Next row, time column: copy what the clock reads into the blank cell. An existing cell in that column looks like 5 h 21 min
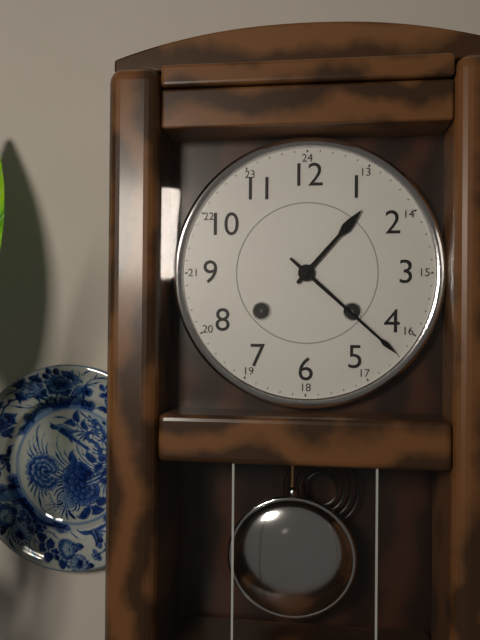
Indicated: 1 h 22 min
